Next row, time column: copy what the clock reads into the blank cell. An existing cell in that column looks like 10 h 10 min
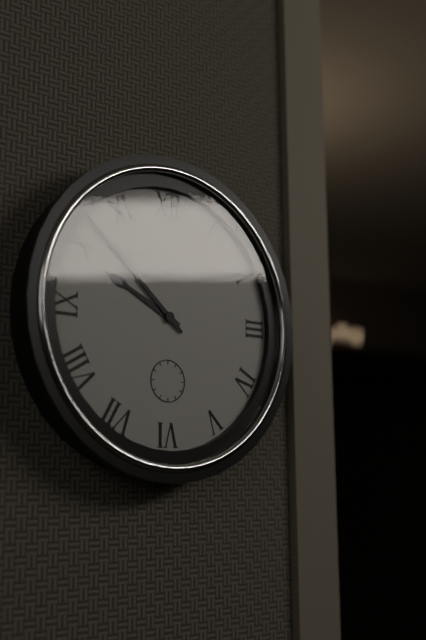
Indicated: 9 h 52 min
